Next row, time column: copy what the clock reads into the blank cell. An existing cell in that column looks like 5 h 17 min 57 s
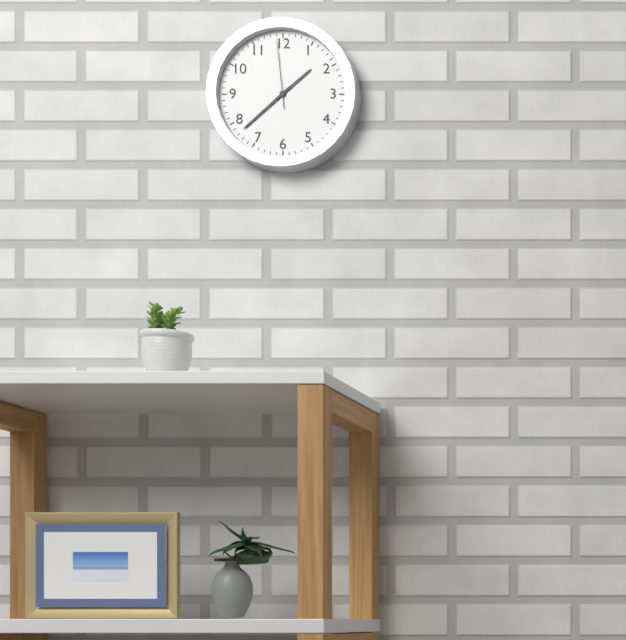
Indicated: 1 h 38 min 59 s
